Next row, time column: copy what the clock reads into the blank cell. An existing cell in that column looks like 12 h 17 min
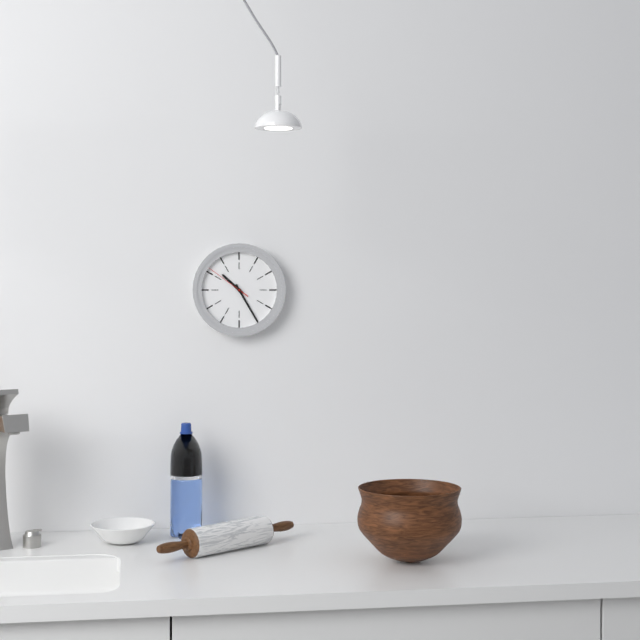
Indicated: 10 h 25 min
